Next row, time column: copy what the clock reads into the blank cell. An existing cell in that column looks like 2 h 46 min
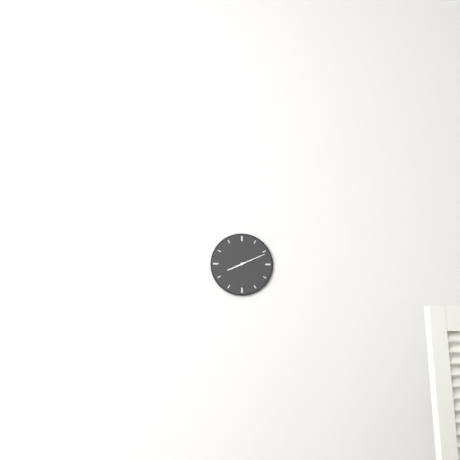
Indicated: 8 h 11 min
